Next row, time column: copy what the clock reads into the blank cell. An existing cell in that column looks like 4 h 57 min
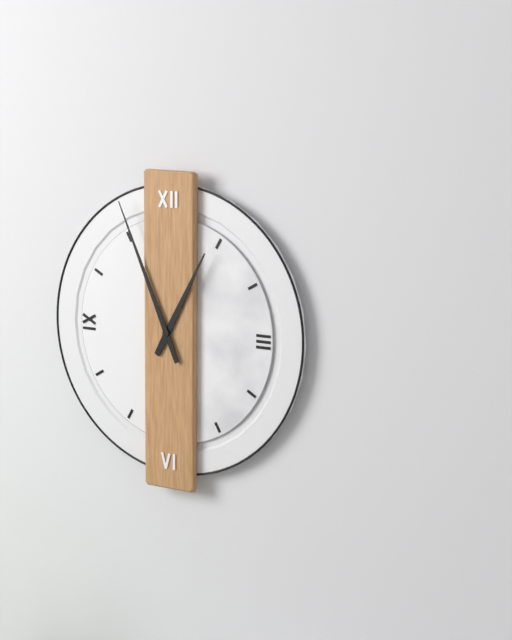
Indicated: 12 h 56 min
